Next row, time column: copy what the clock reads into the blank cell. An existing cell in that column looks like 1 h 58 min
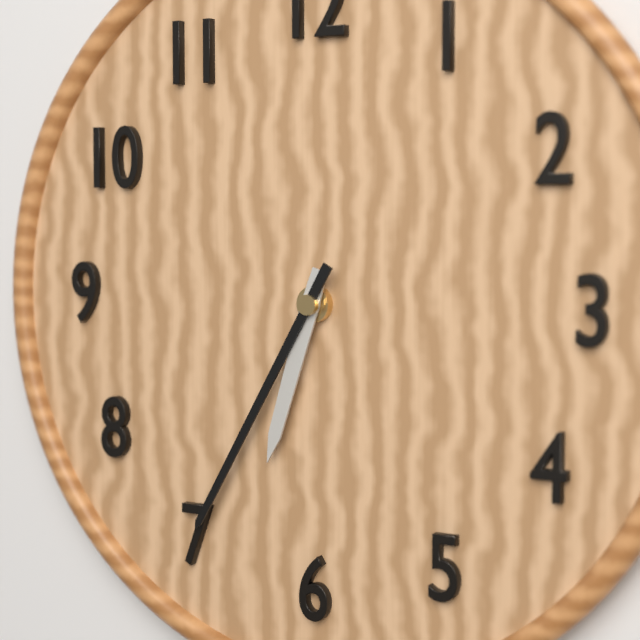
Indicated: 6 h 35 min
